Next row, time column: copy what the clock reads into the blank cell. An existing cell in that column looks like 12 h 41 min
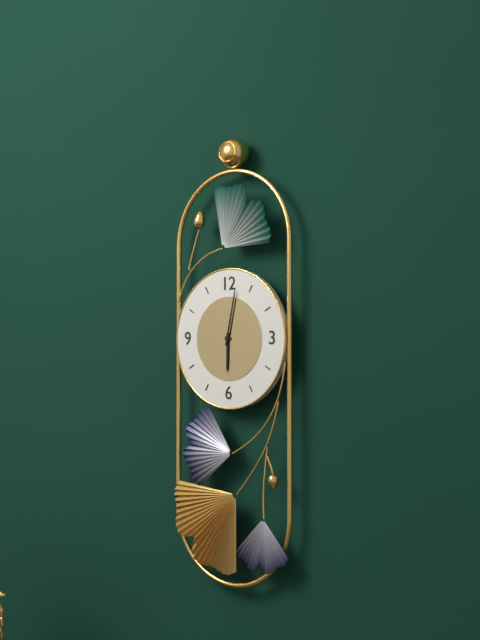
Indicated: 6 h 02 min
